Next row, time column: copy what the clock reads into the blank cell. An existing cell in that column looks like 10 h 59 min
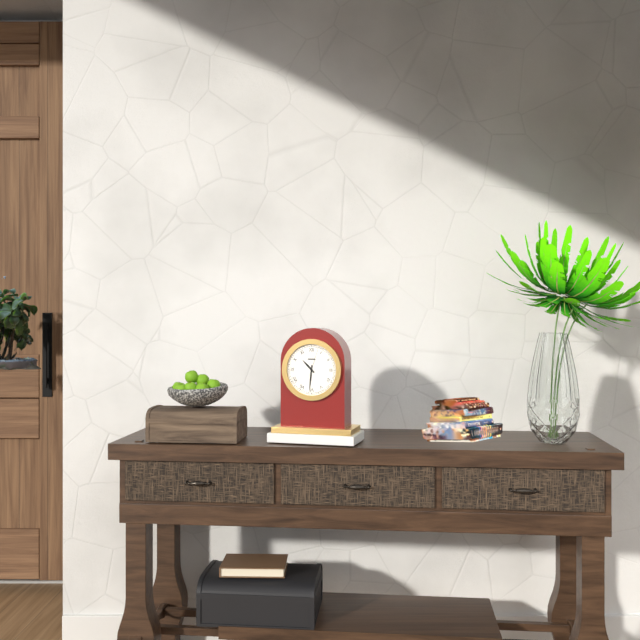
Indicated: 10 h 31 min
